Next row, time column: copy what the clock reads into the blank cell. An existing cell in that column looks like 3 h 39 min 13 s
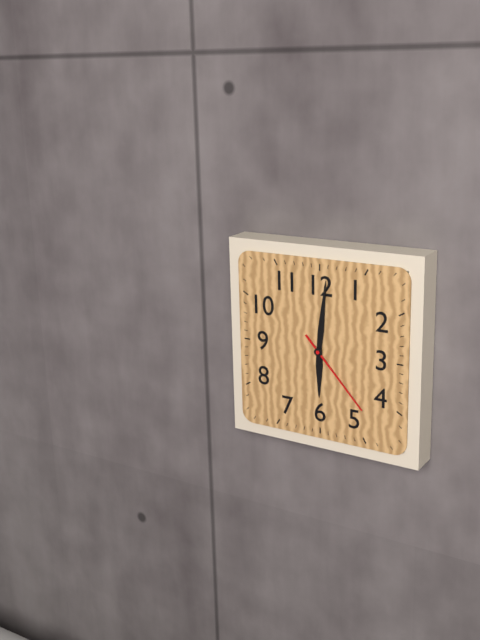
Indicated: 6 h 01 min 23 s
